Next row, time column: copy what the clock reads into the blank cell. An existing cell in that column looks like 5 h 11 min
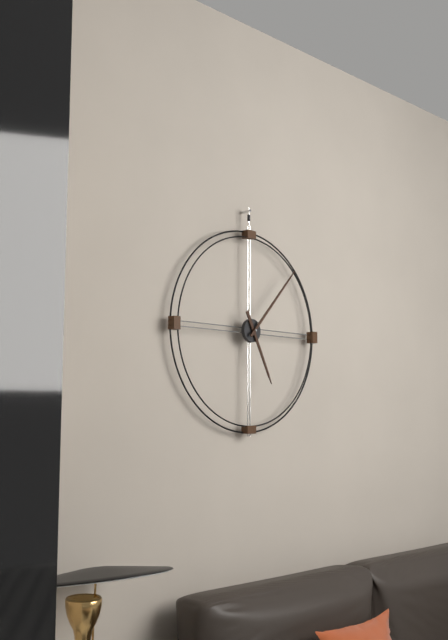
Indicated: 5 h 07 min
